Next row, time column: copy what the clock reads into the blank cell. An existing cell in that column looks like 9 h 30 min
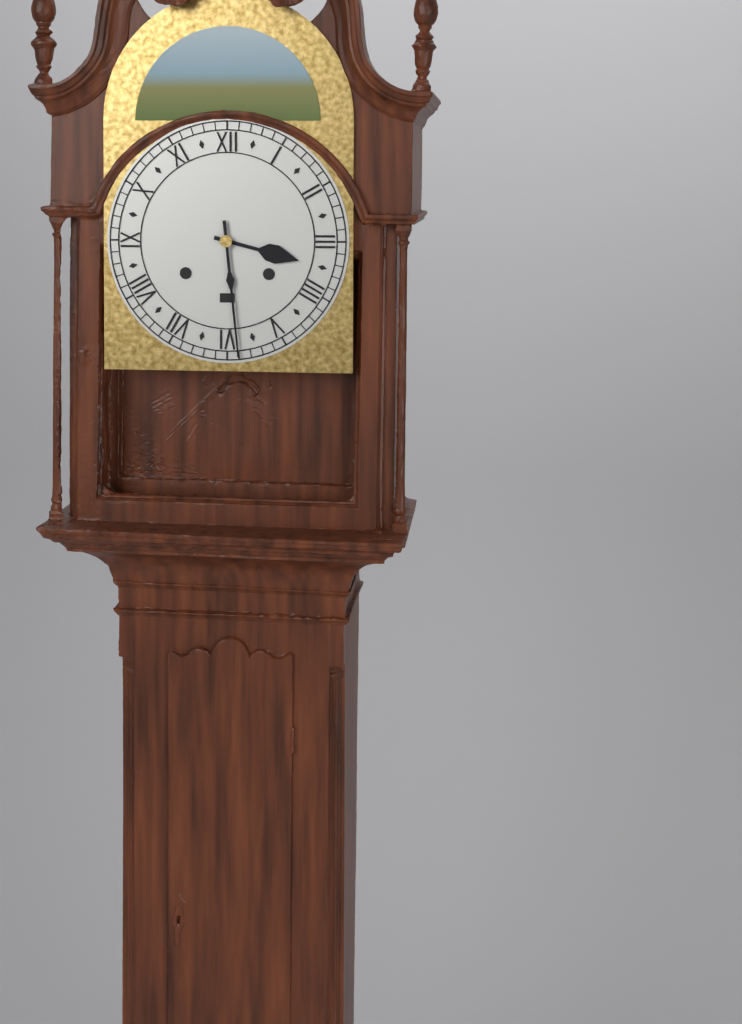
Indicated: 3 h 29 min
